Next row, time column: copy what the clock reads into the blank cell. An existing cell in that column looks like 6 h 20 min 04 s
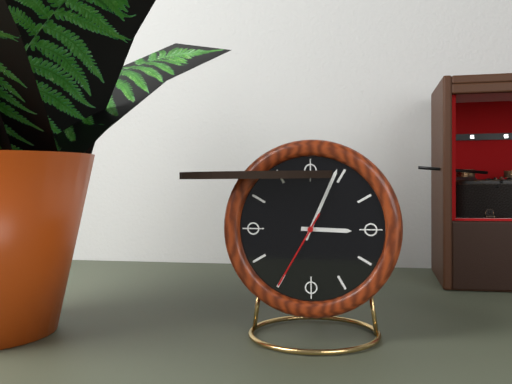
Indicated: 3 h 04 min 35 s
